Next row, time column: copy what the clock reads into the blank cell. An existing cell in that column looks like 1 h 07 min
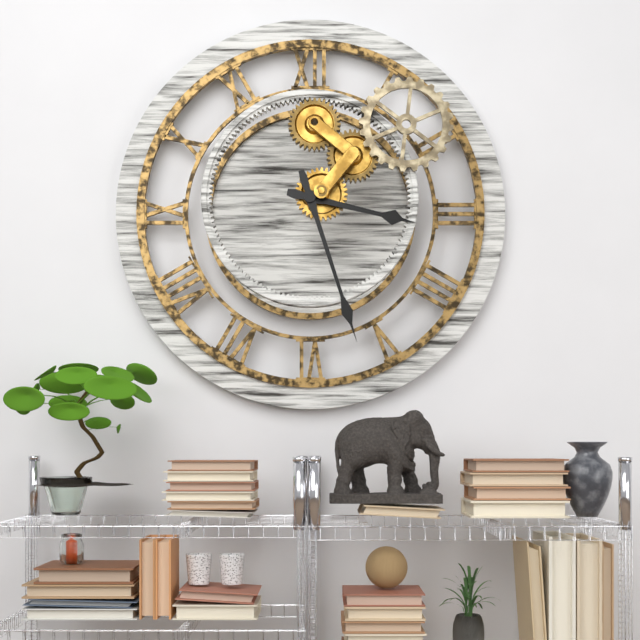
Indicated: 3 h 27 min
